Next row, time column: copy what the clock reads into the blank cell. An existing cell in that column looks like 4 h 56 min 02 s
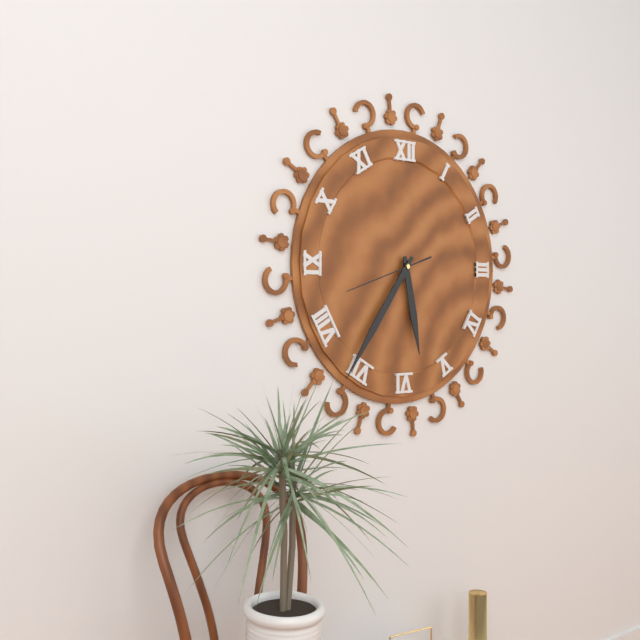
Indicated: 5 h 36 min 42 s
